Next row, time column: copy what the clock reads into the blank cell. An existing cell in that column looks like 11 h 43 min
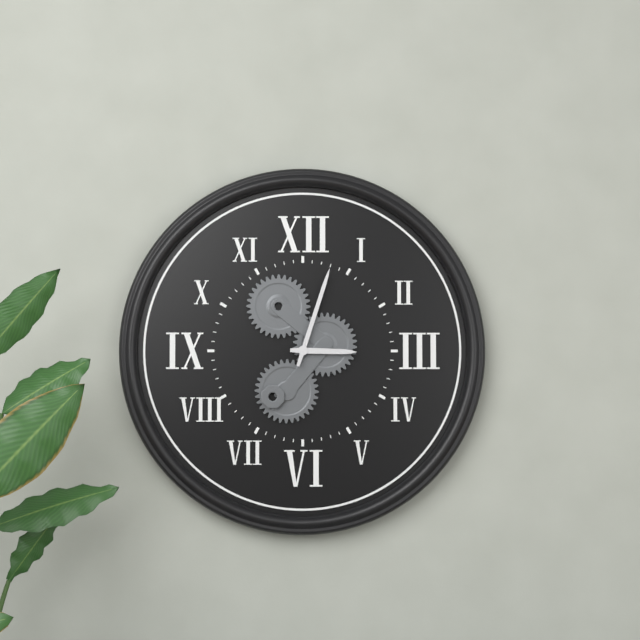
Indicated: 3 h 03 min
